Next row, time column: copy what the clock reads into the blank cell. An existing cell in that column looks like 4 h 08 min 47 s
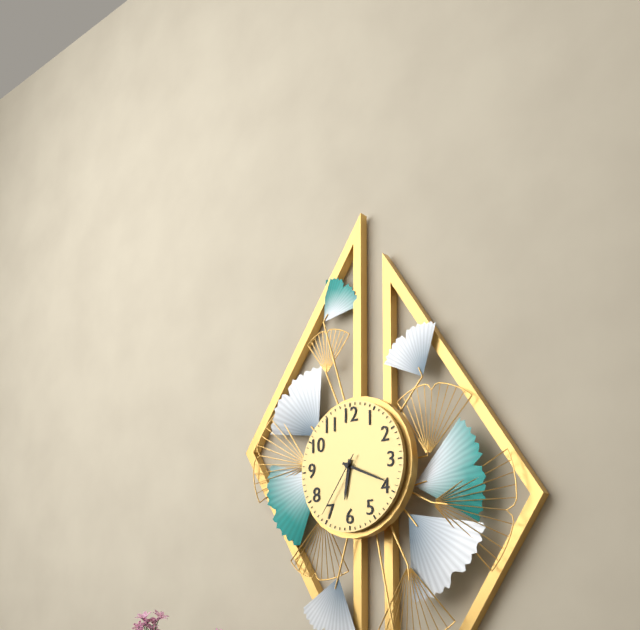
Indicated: 6 h 19 min 36 s
